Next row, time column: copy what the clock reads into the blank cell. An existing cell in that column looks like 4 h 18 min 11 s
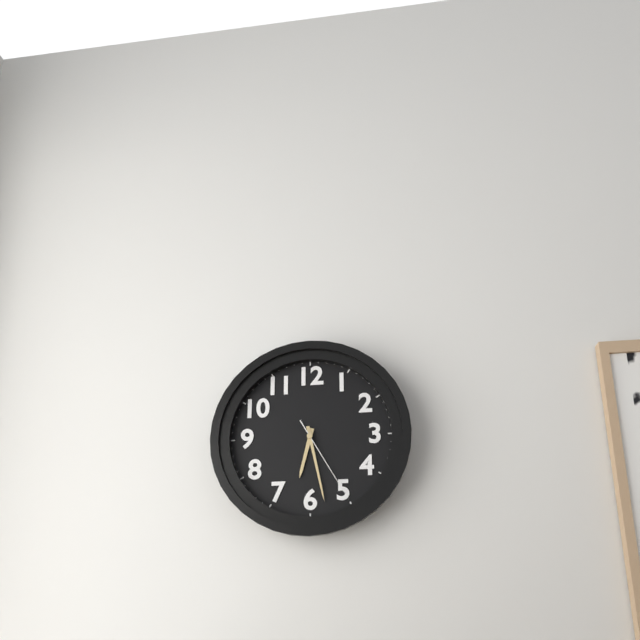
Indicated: 6 h 28 min 25 s
